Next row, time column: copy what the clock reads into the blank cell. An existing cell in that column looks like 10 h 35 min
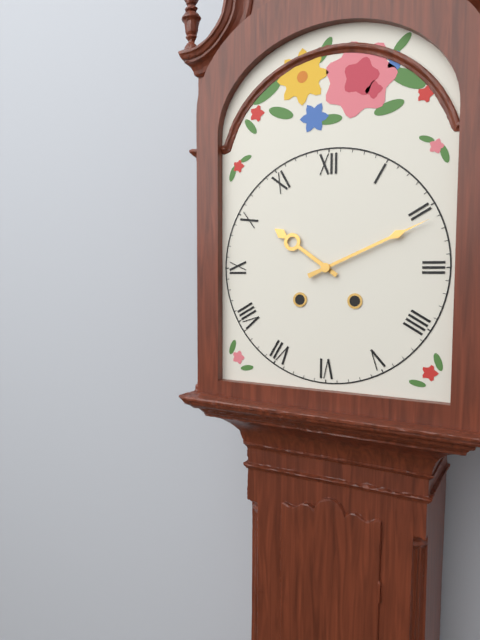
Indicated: 10 h 11 min
